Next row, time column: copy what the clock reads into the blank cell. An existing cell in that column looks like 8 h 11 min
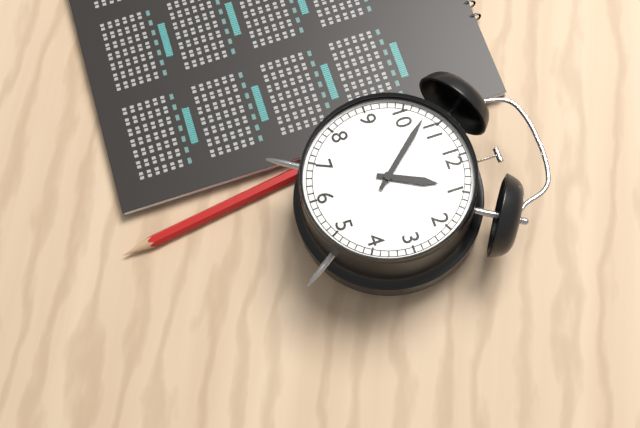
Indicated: 12 h 53 min
